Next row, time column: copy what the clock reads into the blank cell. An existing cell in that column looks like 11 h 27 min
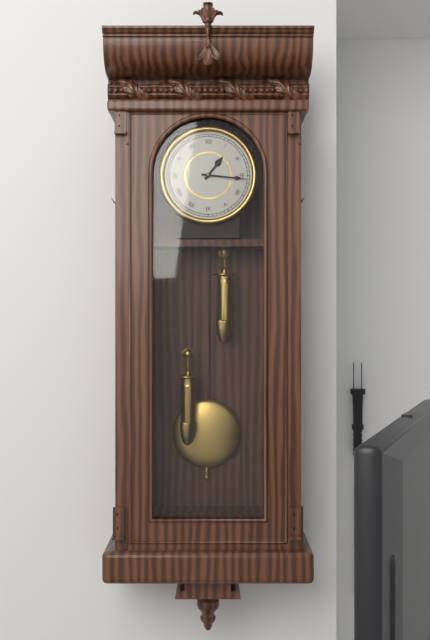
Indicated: 1 h 16 min
